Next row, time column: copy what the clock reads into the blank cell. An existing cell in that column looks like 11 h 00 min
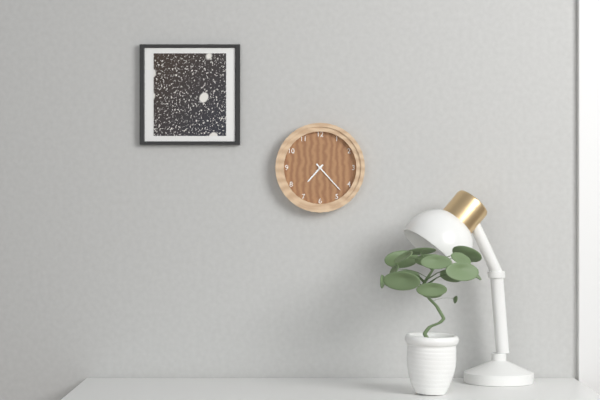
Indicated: 7 h 23 min
